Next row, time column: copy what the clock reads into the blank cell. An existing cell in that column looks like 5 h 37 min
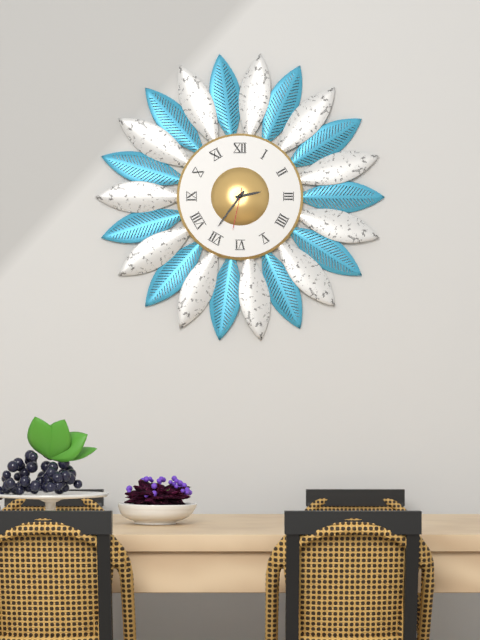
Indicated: 2 h 36 min
